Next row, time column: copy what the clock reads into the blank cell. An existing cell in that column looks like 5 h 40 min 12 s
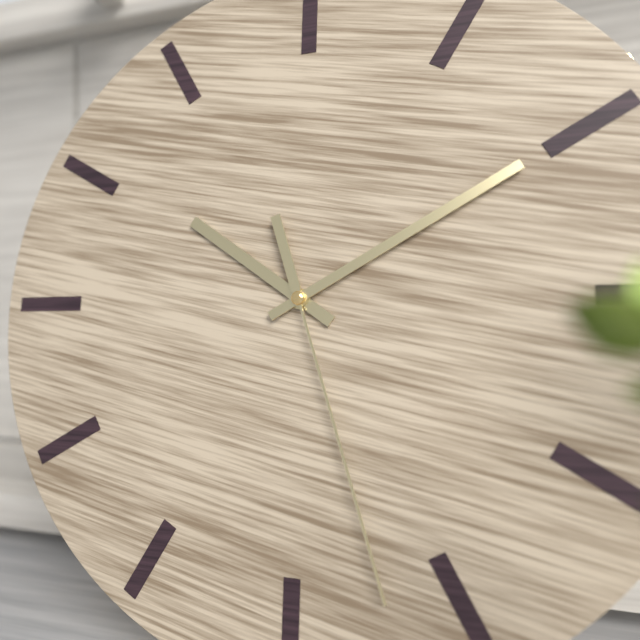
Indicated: 10 h 10 min 27 s
